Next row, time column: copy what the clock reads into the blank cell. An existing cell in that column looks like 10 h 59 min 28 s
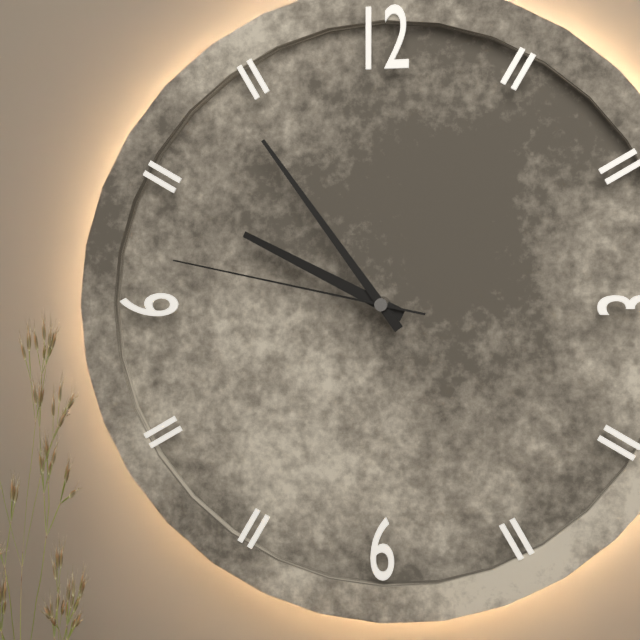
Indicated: 9 h 54 min 47 s
